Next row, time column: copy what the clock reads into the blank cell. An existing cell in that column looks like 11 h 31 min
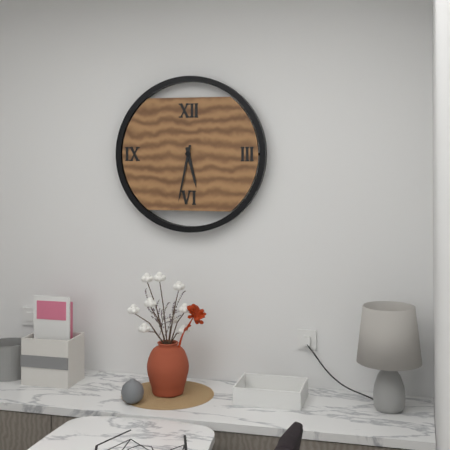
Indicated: 5 h 32 min
